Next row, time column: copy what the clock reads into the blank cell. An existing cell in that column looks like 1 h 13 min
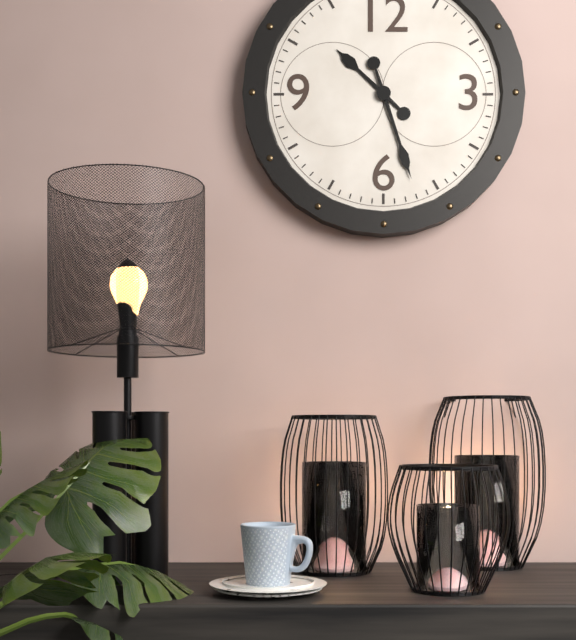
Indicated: 10 h 27 min
